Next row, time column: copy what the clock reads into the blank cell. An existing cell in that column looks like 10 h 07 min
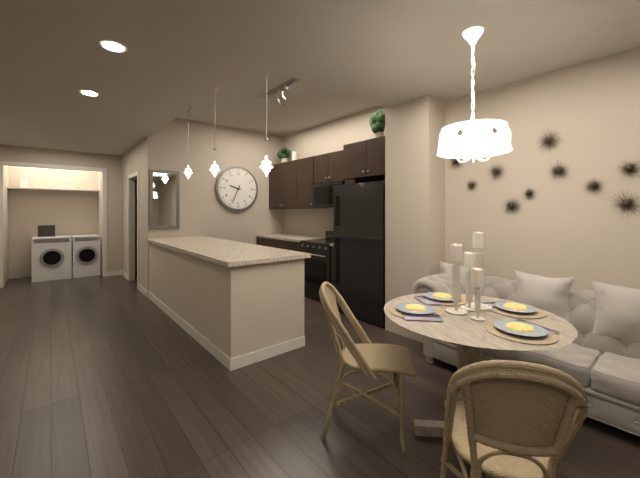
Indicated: 9 h 34 min
